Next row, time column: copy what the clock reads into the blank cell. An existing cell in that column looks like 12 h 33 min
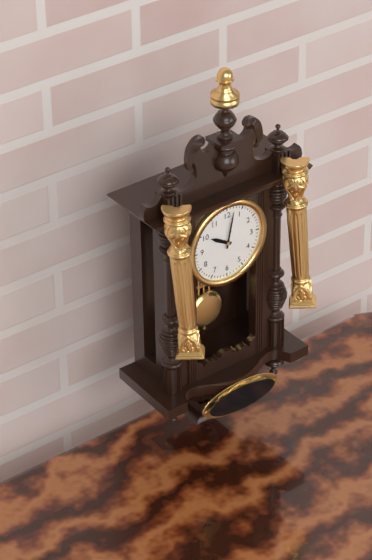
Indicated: 10 h 02 min
